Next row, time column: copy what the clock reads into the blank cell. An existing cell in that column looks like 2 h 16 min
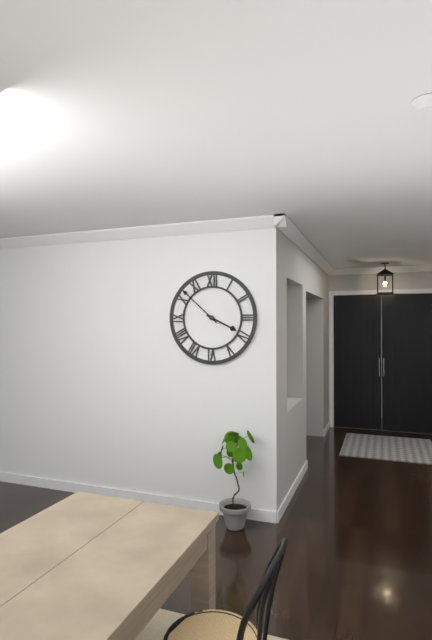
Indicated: 3 h 52 min
